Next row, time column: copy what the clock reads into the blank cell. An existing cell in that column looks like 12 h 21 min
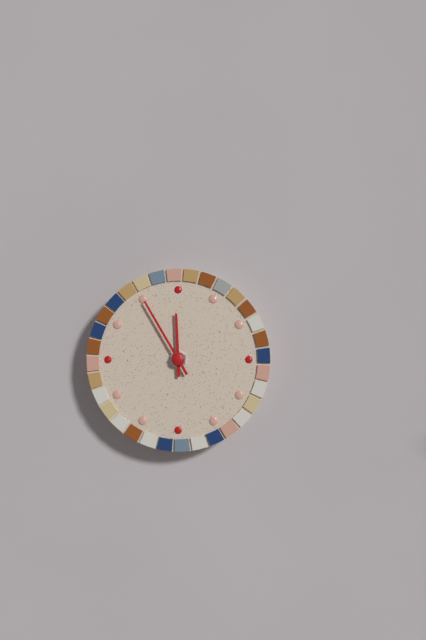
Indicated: 11 h 55 min
